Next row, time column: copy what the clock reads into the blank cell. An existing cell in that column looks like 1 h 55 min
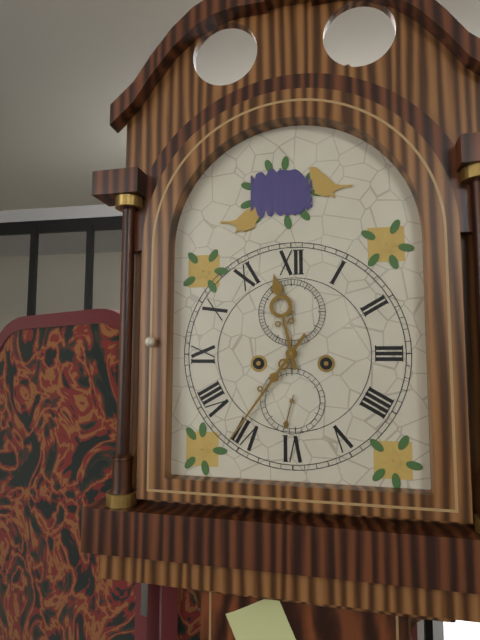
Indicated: 11 h 36 min
